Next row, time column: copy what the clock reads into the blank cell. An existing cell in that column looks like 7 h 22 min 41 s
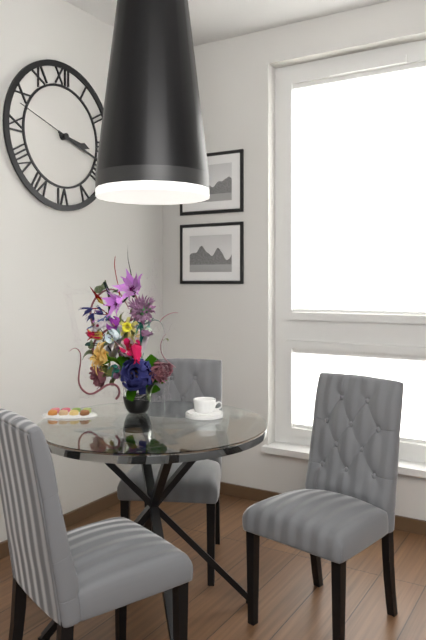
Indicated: 3 h 18 min 48 s
